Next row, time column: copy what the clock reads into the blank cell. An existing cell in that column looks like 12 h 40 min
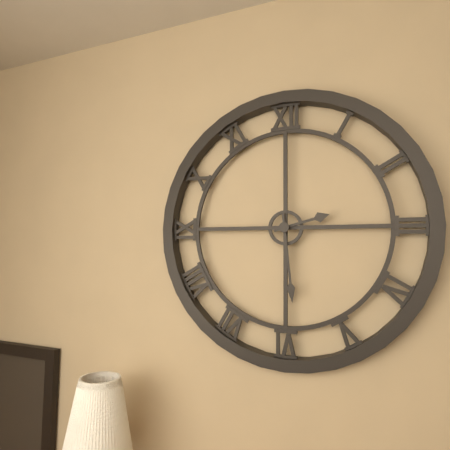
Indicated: 2 h 29 min
